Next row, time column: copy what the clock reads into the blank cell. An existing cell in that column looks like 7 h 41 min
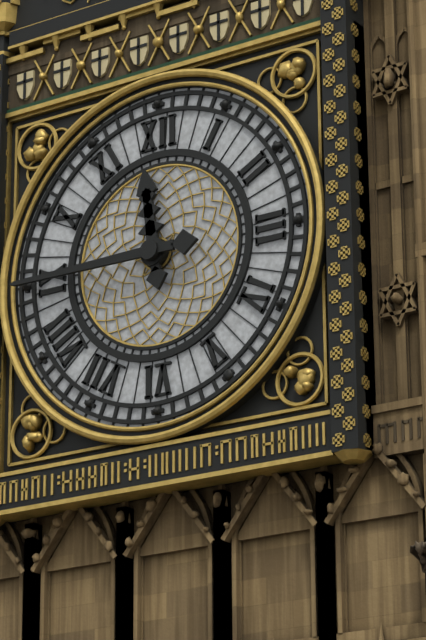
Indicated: 11 h 45 min
